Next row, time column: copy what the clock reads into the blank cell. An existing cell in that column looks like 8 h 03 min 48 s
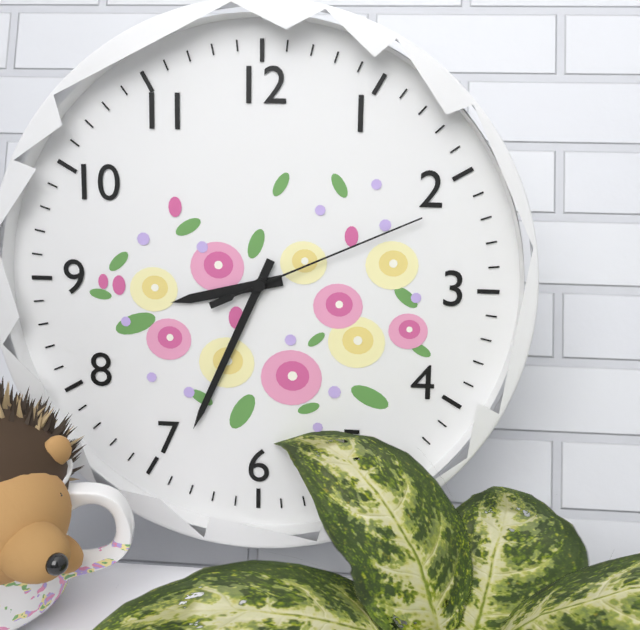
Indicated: 8 h 34 min 11 s
